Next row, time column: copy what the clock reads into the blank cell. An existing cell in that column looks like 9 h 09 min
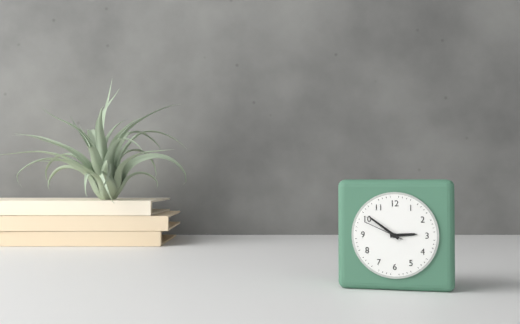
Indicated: 2 h 51 min
